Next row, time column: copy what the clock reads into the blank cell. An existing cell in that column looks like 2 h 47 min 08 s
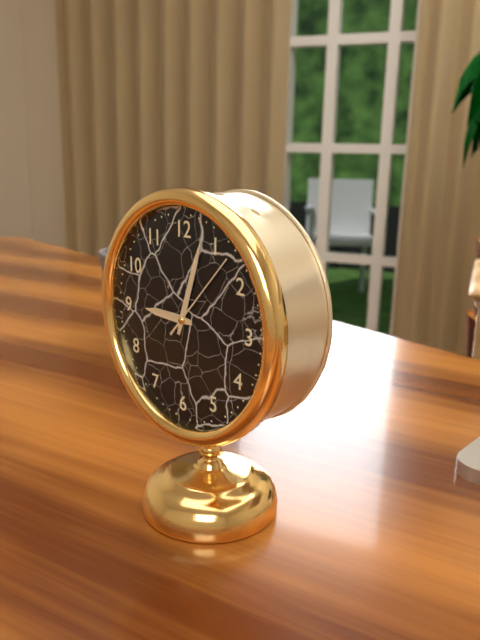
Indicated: 9 h 03 min 07 s
